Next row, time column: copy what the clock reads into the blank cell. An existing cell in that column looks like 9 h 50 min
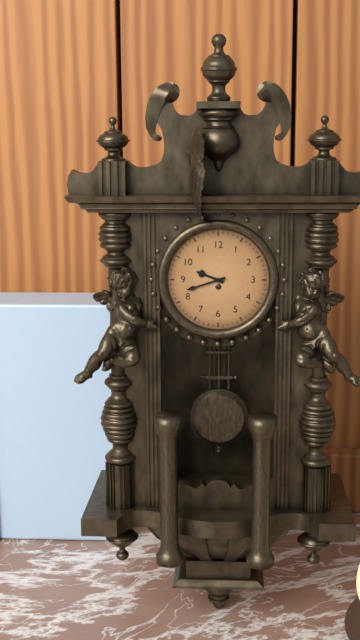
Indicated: 9 h 42 min
